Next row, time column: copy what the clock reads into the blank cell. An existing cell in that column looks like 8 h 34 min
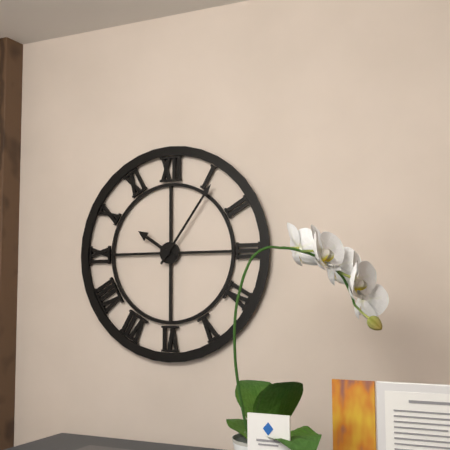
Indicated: 10 h 06 min
